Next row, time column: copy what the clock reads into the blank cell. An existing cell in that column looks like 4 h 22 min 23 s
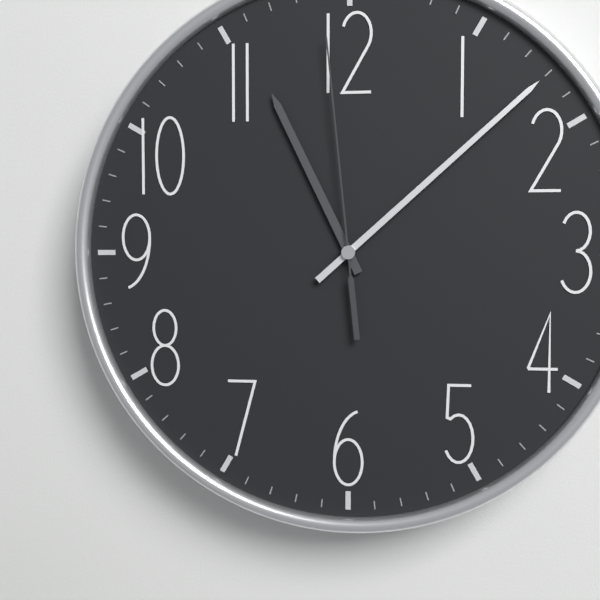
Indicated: 11 h 08 min 59 s
